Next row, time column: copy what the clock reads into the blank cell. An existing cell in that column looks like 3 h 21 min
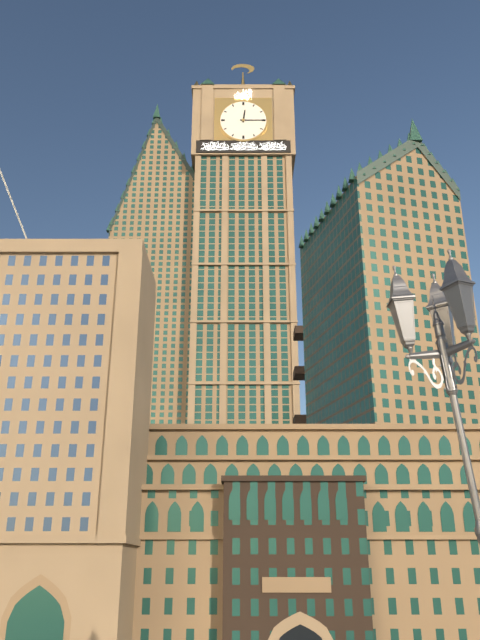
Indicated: 12 h 15 min
